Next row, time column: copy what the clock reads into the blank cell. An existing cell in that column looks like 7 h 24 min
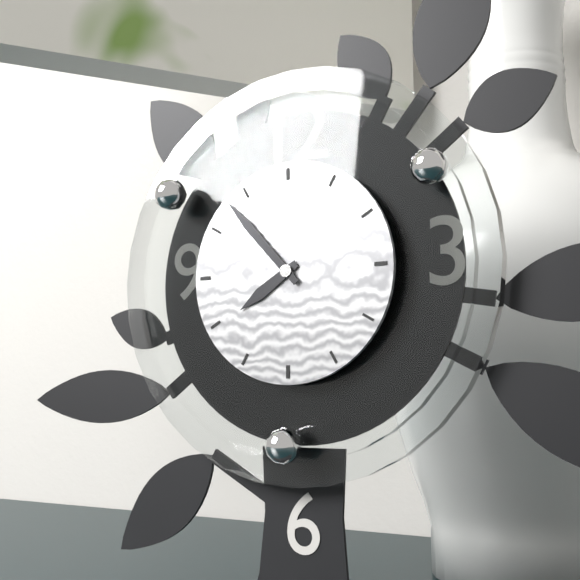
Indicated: 7 h 53 min
